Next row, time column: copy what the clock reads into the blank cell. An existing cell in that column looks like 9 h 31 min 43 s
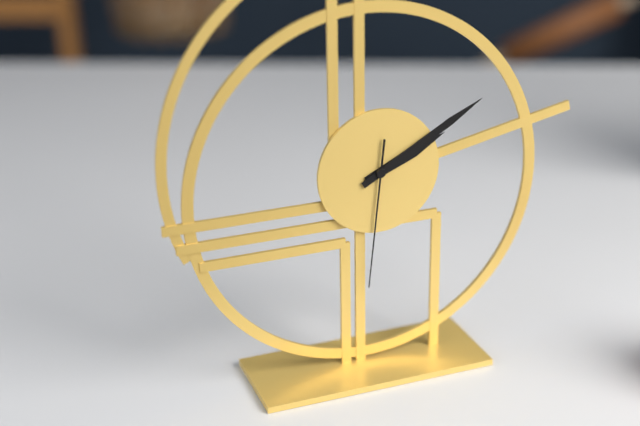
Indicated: 2 h 10 min 31 s
